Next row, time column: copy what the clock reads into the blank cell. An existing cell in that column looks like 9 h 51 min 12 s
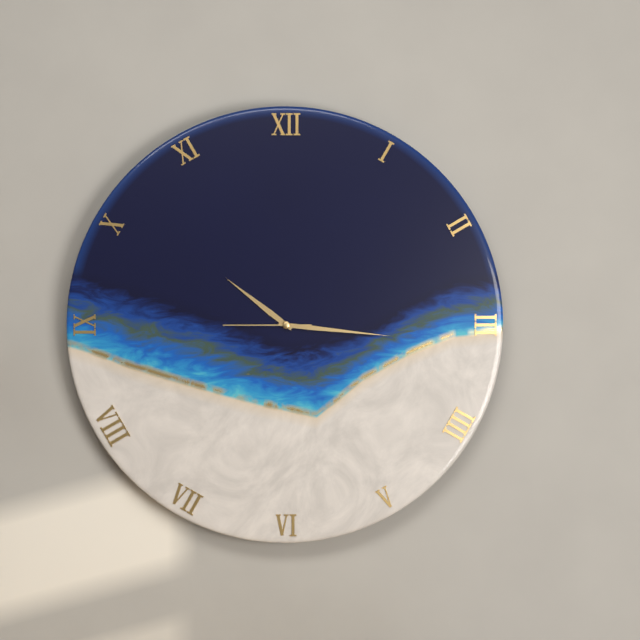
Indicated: 10 h 16 min 45 s
